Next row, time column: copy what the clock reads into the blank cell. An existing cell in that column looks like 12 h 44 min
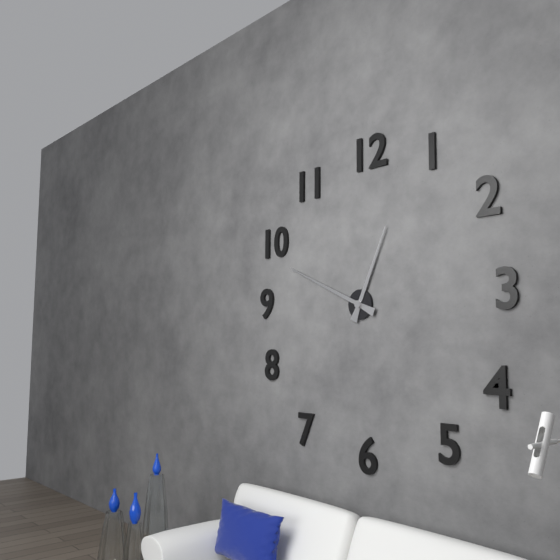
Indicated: 12 h 49 min
